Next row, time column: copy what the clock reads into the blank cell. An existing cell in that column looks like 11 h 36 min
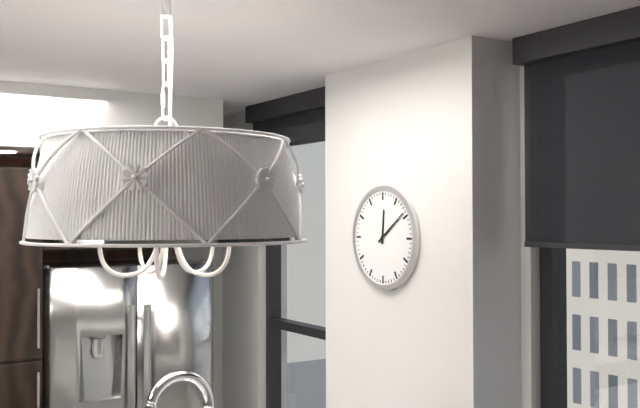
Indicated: 12 h 09 min
